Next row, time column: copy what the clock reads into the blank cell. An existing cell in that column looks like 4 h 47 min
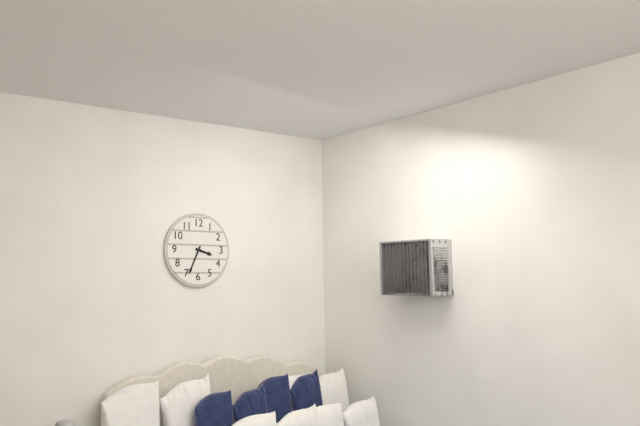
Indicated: 3 h 34 min
